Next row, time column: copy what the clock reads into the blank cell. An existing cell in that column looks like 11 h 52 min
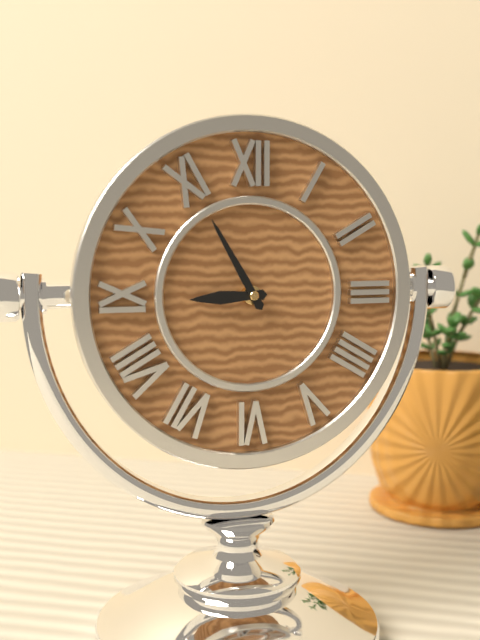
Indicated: 8 h 55 min
